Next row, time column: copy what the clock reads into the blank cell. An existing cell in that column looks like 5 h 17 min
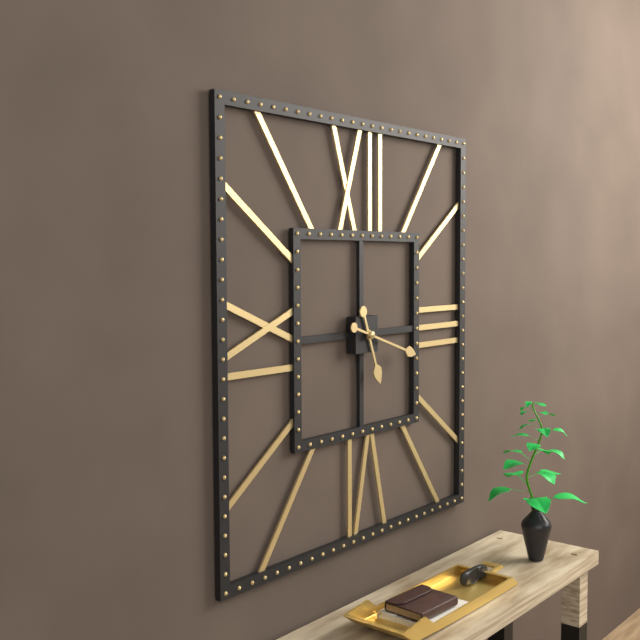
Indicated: 5 h 18 min
